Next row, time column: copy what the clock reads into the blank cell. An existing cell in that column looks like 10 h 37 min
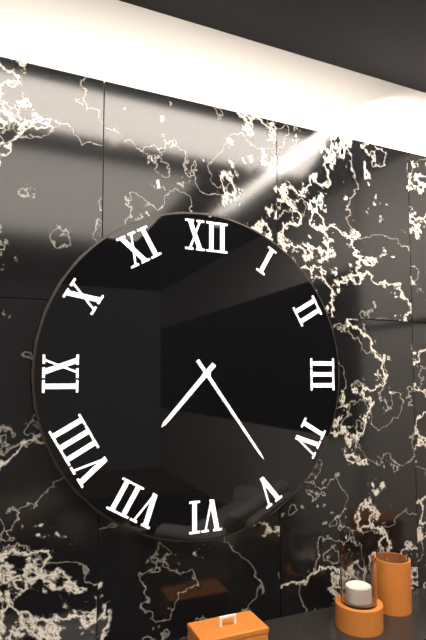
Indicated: 7 h 24 min
